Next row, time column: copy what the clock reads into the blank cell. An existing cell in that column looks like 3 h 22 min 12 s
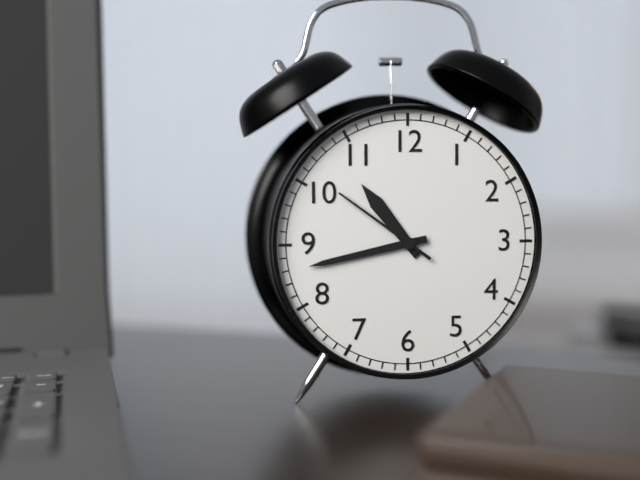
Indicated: 10 h 43 min 51 s
